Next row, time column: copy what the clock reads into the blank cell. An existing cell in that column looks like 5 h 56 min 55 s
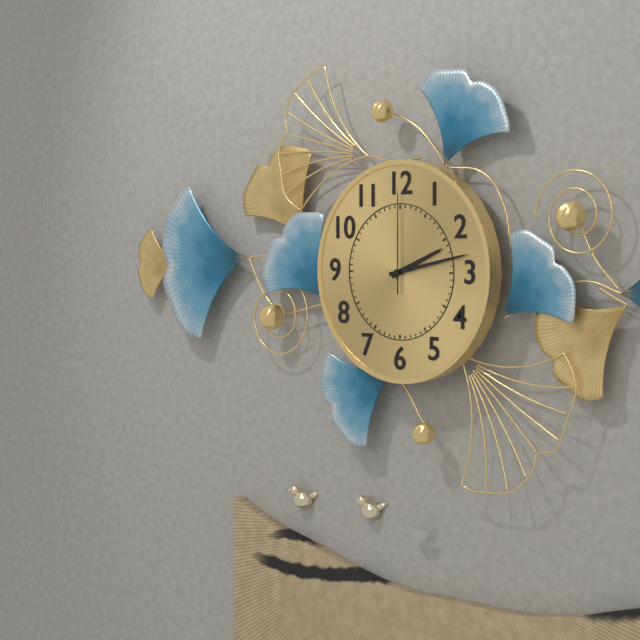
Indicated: 2 h 13 min 00 s
